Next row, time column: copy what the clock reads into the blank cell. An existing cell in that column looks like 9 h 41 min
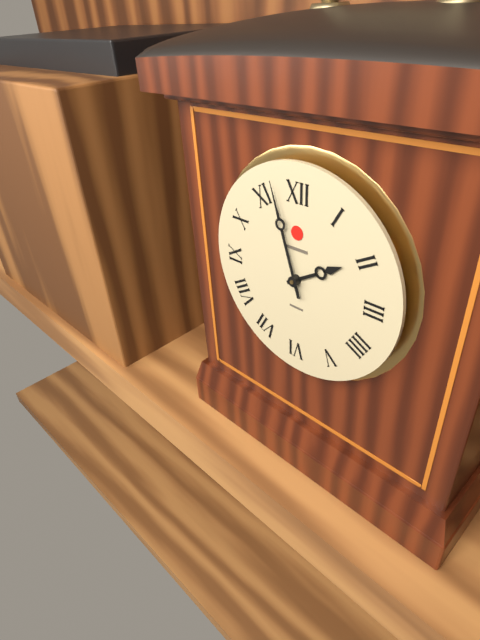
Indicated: 1 h 57 min
